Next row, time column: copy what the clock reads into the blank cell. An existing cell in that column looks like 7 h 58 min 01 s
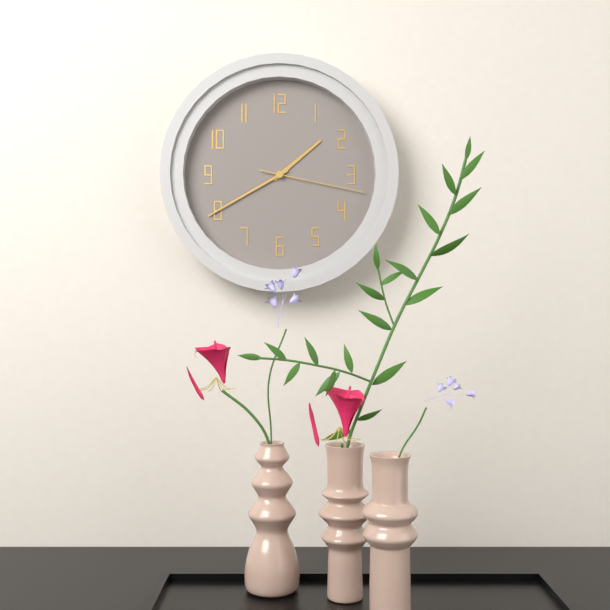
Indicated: 1 h 40 min 17 s
